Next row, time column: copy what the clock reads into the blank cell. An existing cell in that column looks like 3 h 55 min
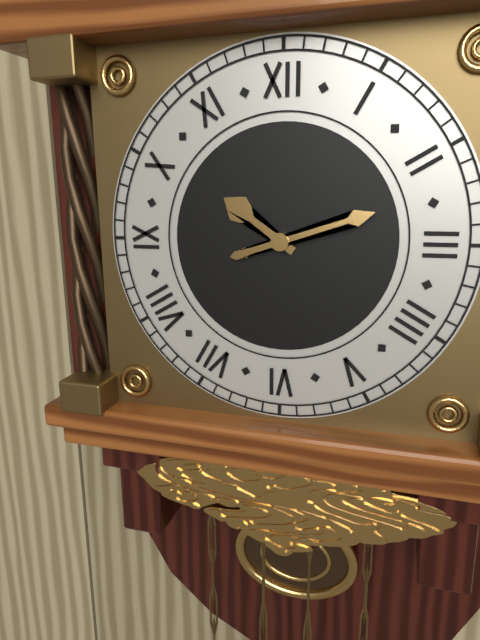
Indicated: 10 h 12 min
